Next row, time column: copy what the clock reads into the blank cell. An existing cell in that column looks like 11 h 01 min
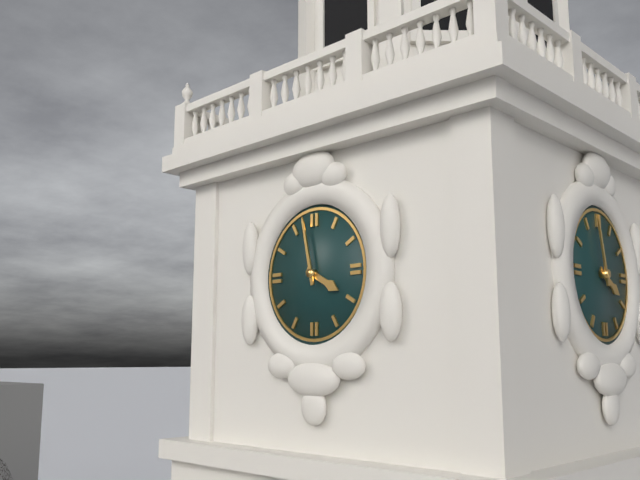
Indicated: 3 h 58 min
